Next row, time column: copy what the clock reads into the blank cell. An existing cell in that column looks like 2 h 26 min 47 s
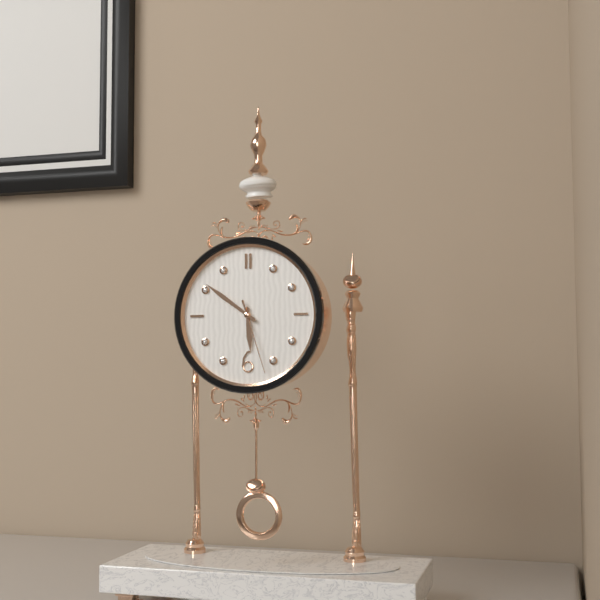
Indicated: 5 h 51 min 27 s
